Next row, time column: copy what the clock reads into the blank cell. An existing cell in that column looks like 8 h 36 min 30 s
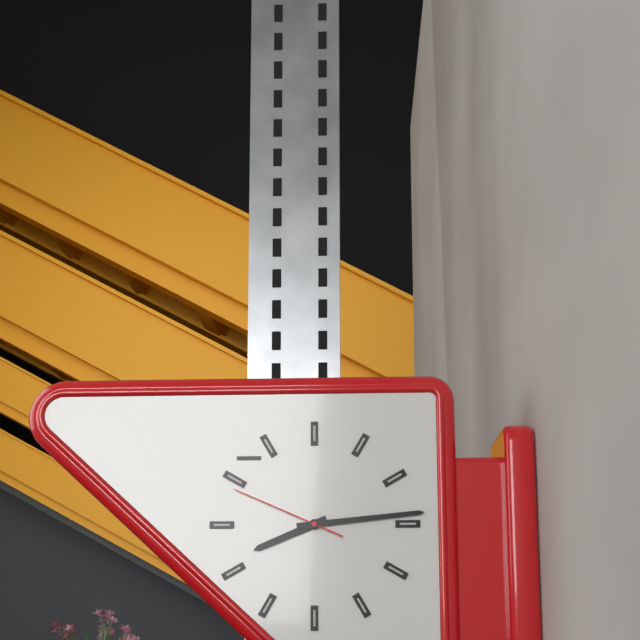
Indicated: 8 h 14 min 49 s
